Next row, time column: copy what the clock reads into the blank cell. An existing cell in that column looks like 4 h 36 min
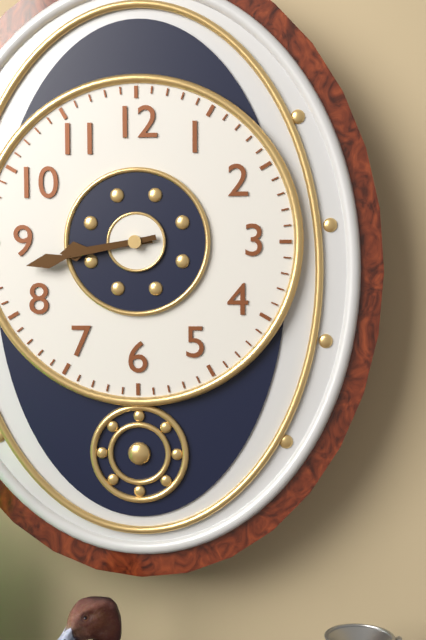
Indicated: 8 h 43 min
